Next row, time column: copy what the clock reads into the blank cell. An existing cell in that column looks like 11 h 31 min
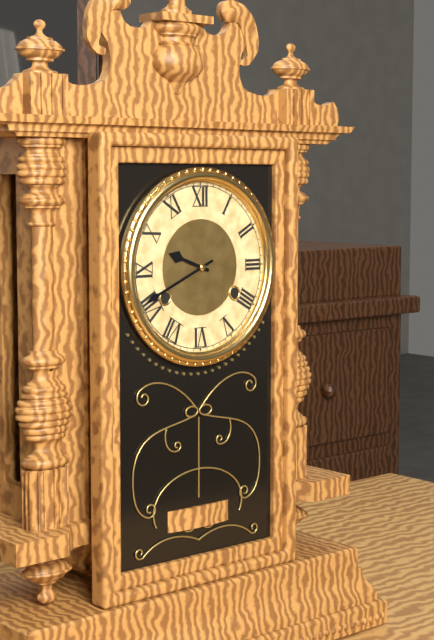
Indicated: 9 h 41 min
